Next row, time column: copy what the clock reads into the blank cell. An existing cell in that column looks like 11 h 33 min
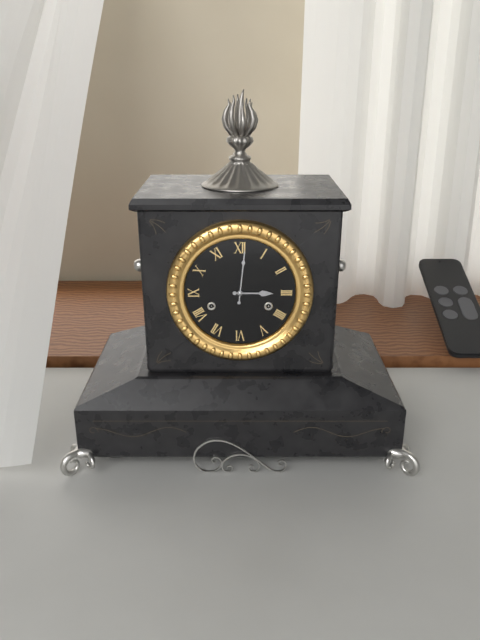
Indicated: 3 h 01 min
